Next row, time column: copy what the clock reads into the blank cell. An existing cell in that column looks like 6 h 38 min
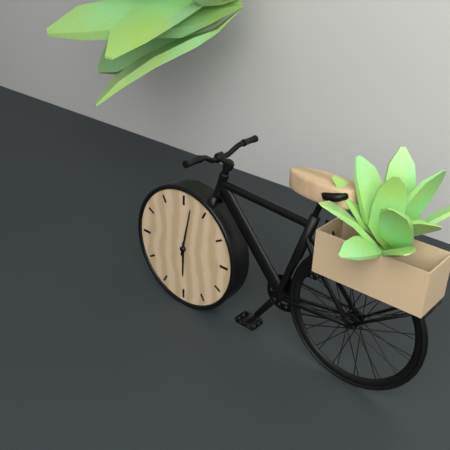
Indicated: 6 h 02 min
